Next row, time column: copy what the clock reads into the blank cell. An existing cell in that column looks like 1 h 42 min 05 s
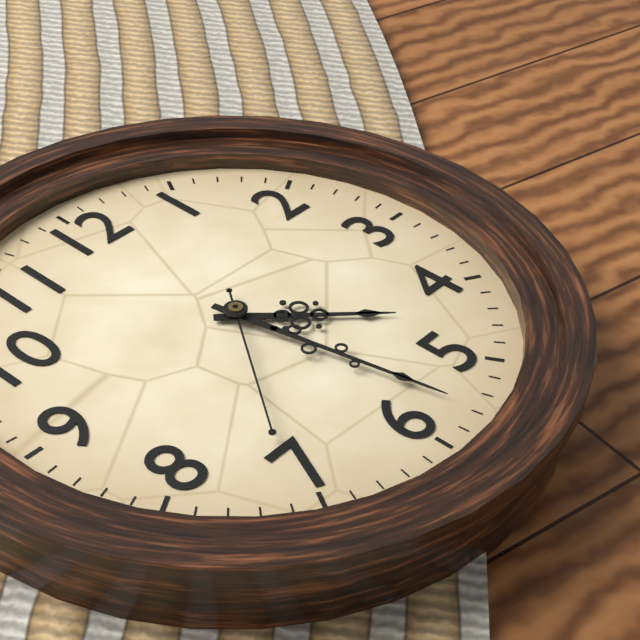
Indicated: 4 h 28 min 36 s
